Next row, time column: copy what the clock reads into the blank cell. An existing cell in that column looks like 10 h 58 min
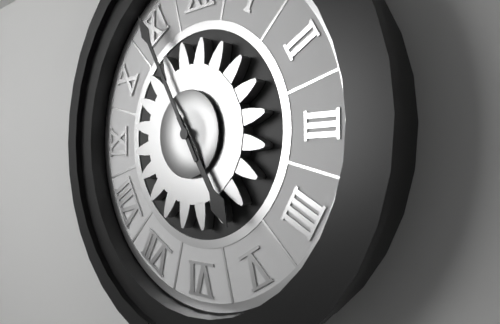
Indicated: 4 h 55 min
